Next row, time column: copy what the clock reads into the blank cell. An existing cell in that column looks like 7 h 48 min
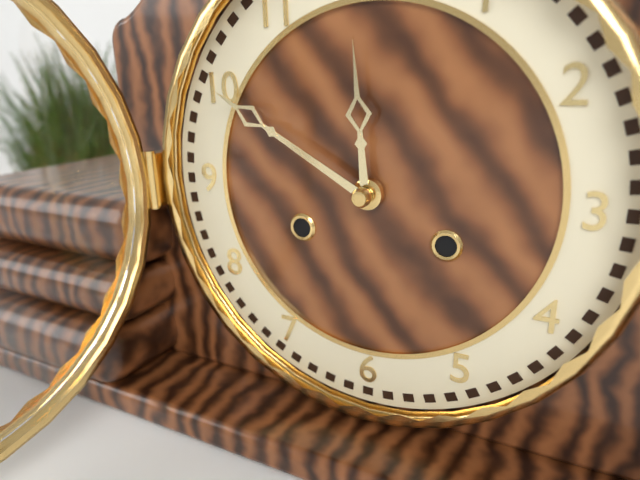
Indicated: 11 h 50 min
